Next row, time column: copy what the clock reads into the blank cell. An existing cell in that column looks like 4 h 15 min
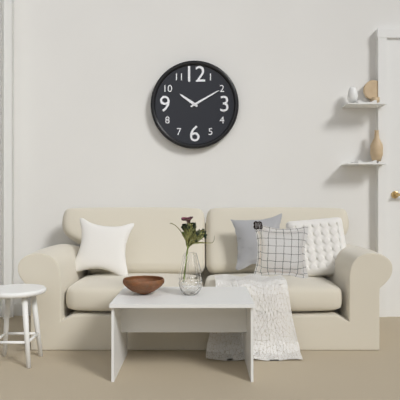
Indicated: 10 h 10 min
